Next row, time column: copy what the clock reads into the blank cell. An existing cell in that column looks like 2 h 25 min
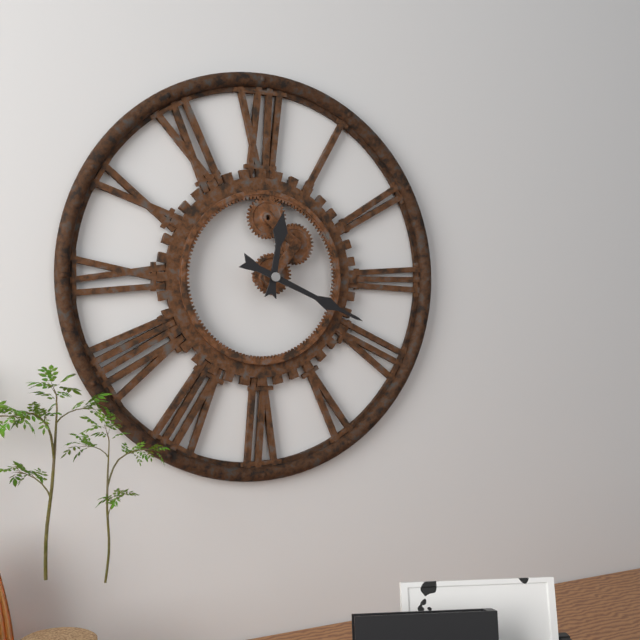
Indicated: 12 h 19 min
